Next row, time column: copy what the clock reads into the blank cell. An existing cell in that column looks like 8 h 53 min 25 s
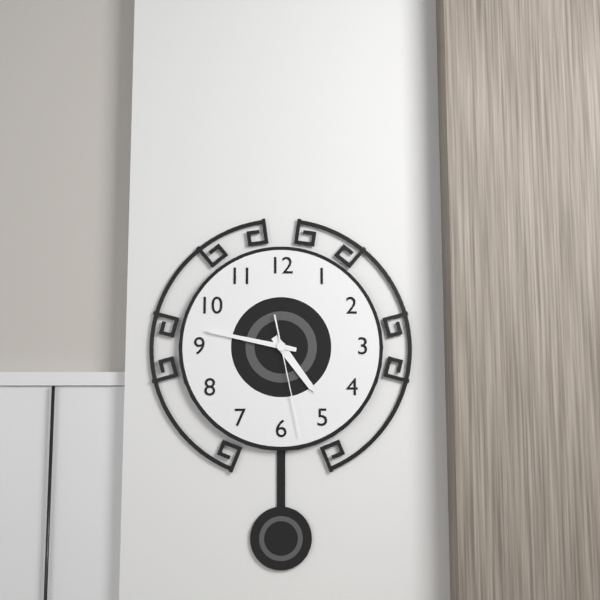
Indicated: 4 h 47 min 28 s
